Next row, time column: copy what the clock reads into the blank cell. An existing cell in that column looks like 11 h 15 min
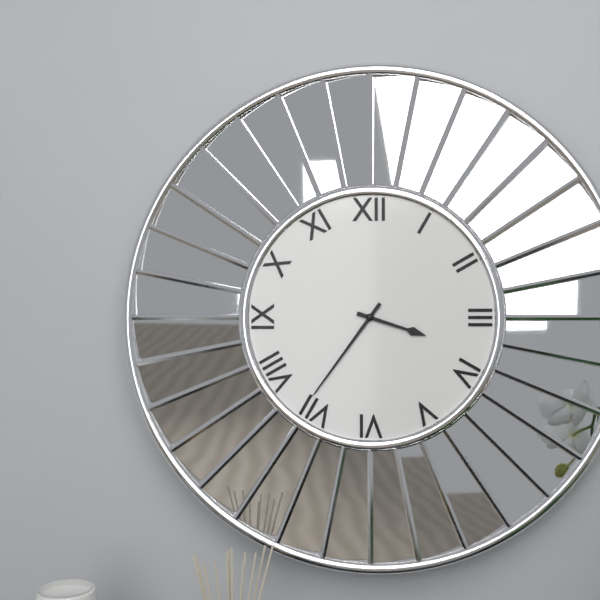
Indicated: 3 h 36 min
